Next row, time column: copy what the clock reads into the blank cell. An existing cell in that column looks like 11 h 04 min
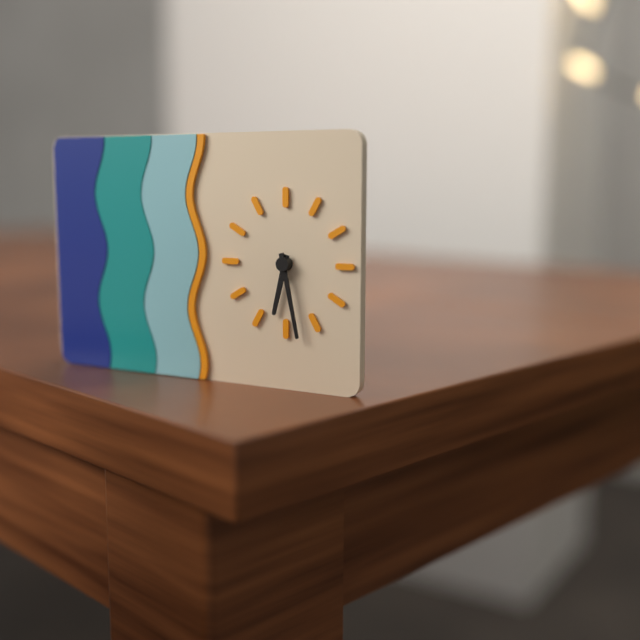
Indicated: 6 h 28 min
